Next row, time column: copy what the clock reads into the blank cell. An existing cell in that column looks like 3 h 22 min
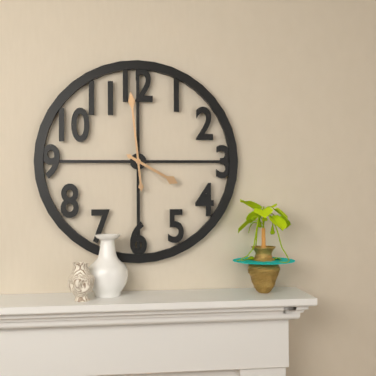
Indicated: 3 h 59 min
